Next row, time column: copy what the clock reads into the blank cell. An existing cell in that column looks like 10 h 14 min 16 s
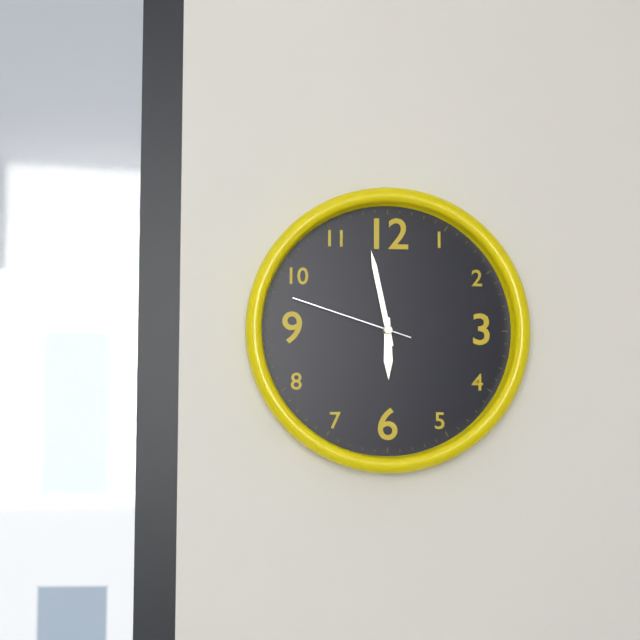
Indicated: 5 h 58 min 48 s
